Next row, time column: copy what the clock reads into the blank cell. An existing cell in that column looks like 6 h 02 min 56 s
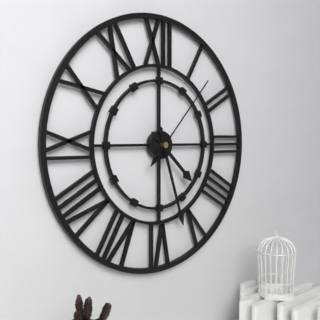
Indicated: 4 h 27 min 07 s
